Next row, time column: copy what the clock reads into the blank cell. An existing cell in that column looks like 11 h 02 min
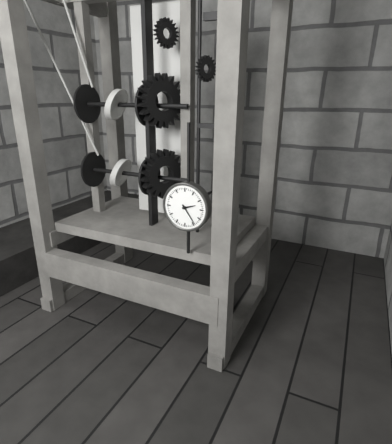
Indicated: 2 h 24 min
